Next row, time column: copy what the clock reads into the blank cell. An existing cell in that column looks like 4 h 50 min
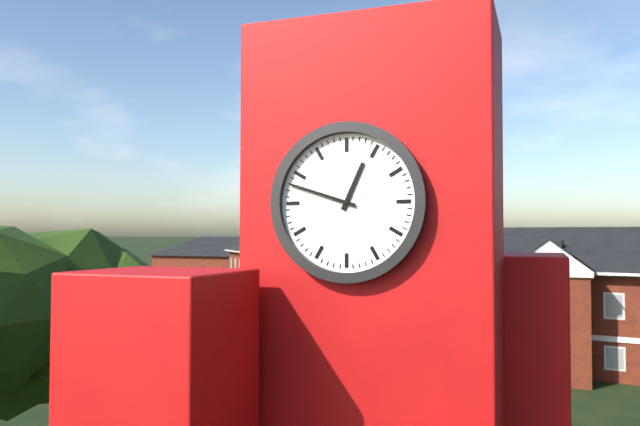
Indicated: 12 h 48 min
